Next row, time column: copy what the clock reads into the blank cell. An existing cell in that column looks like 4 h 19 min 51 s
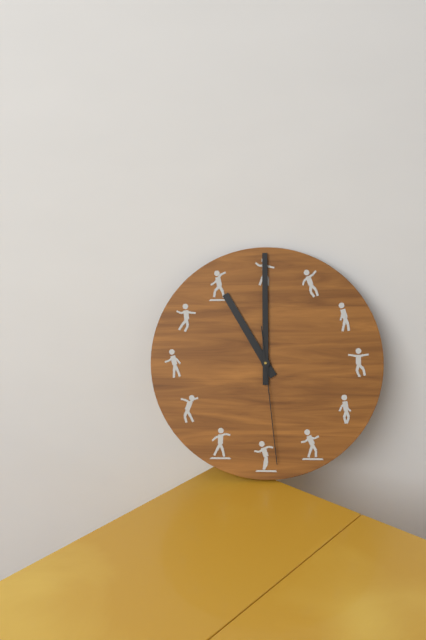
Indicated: 11 h 00 min 29 s
